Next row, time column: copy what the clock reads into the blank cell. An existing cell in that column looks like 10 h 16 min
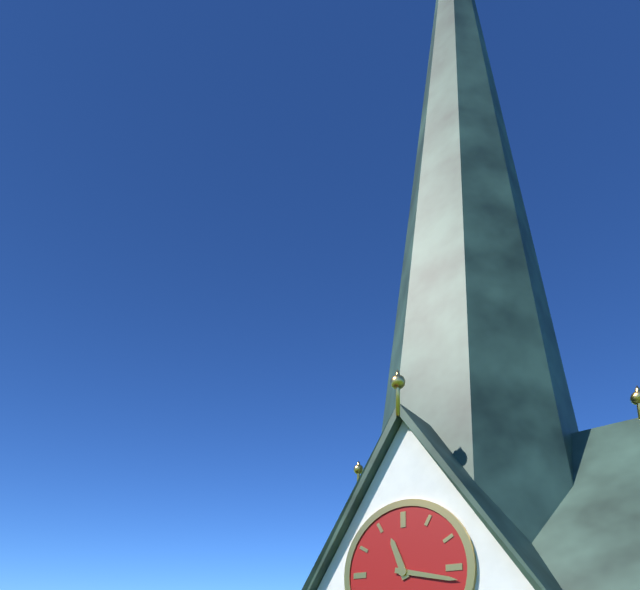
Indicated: 11 h 17 min
